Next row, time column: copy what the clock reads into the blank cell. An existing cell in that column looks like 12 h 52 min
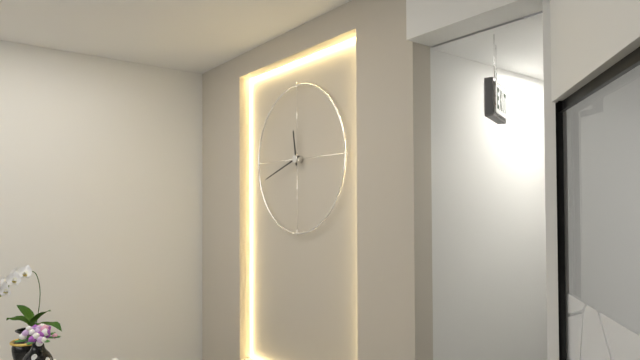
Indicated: 11 h 42 min
